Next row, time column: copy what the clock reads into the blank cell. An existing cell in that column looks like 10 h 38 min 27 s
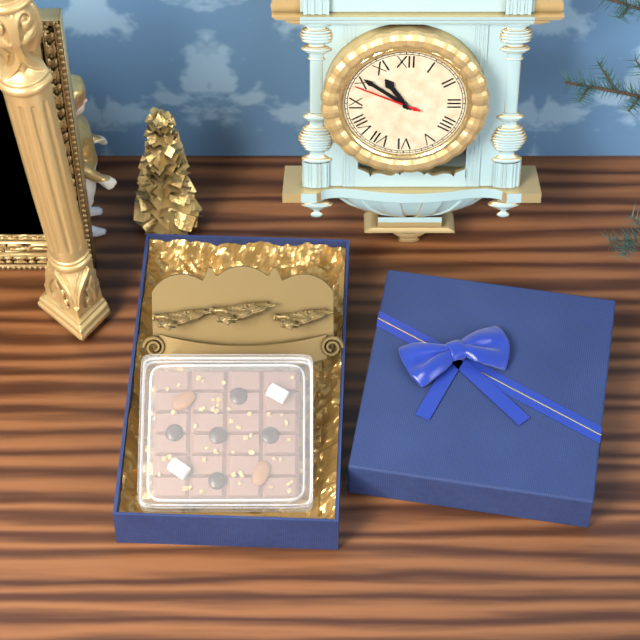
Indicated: 10 h 51 min 49 s
